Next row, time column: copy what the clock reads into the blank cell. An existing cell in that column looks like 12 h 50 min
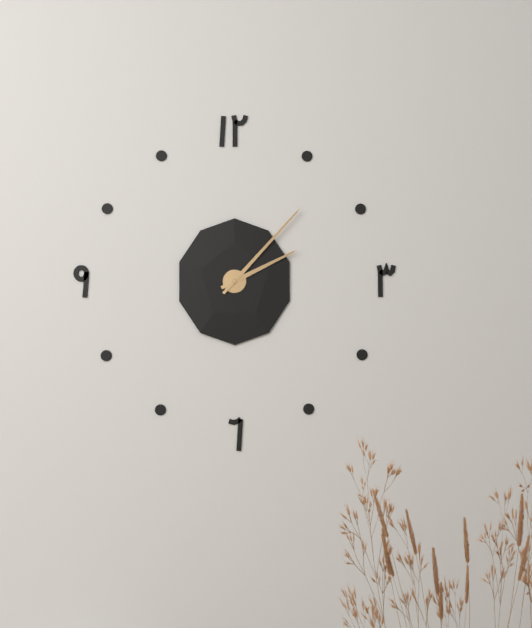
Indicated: 2 h 07 min
